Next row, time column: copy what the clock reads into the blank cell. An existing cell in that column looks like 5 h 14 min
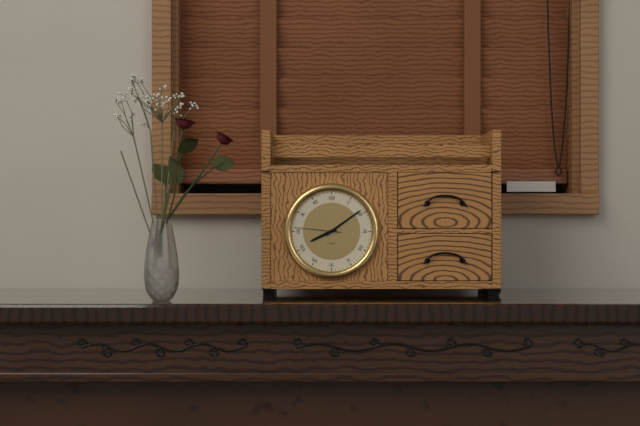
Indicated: 8 h 09 min
